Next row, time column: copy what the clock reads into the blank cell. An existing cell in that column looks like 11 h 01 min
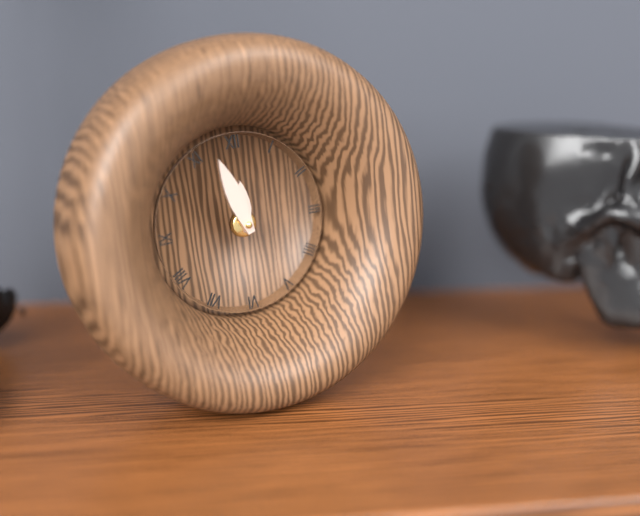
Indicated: 11 h 57 min
